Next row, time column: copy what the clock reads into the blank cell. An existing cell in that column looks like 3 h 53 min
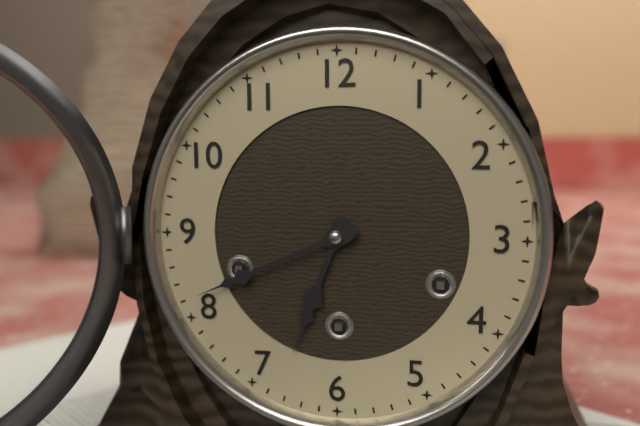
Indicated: 6 h 41 min
